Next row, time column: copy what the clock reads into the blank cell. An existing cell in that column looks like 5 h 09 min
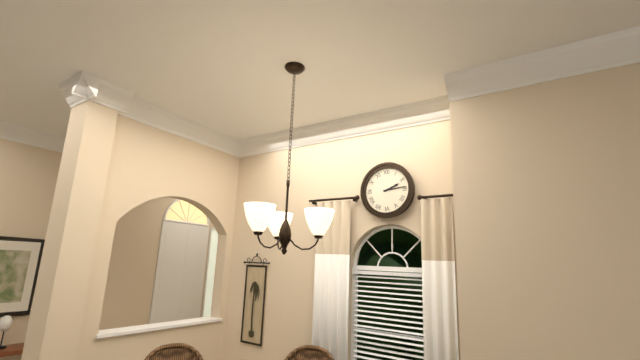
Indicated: 2 h 14 min
